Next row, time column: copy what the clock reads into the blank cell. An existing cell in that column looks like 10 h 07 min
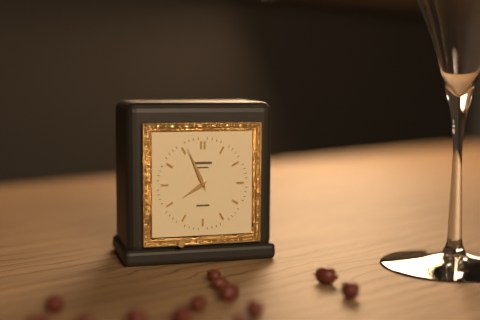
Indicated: 7 h 56 min
